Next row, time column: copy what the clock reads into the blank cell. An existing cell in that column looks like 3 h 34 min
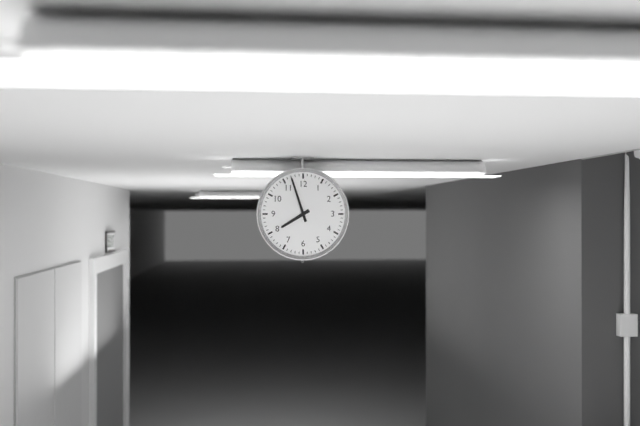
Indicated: 7 h 57 min
